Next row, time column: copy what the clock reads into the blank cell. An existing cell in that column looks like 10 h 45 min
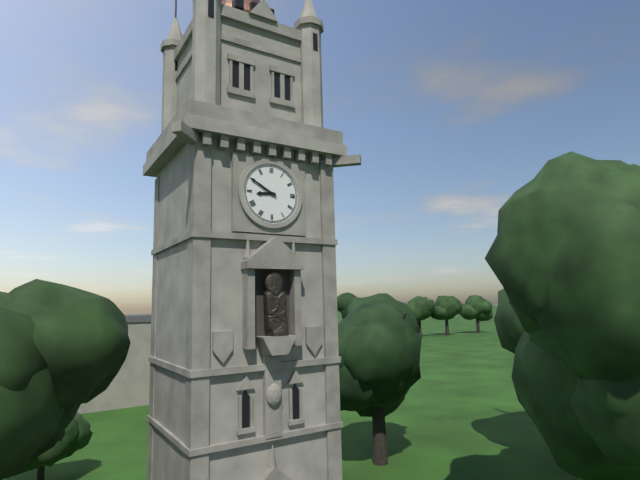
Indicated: 8 h 50 min
